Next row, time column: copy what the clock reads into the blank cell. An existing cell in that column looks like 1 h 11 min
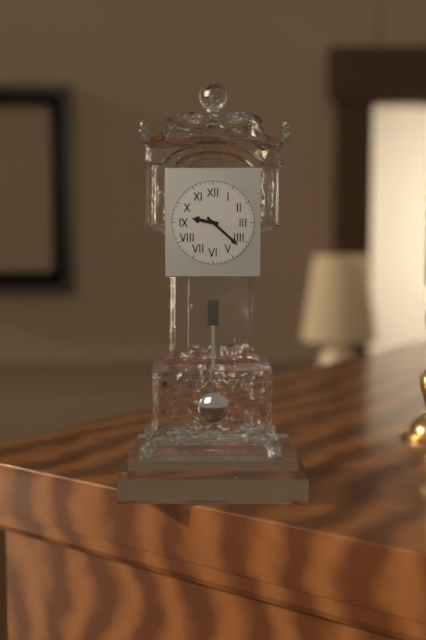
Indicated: 9 h 22 min
